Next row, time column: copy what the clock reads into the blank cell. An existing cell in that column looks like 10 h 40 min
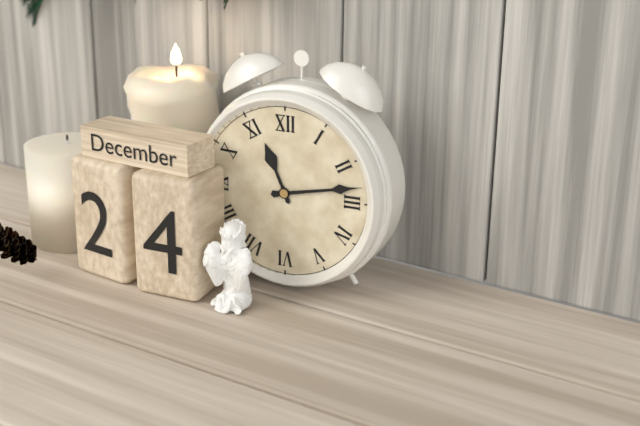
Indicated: 11 h 13 min
